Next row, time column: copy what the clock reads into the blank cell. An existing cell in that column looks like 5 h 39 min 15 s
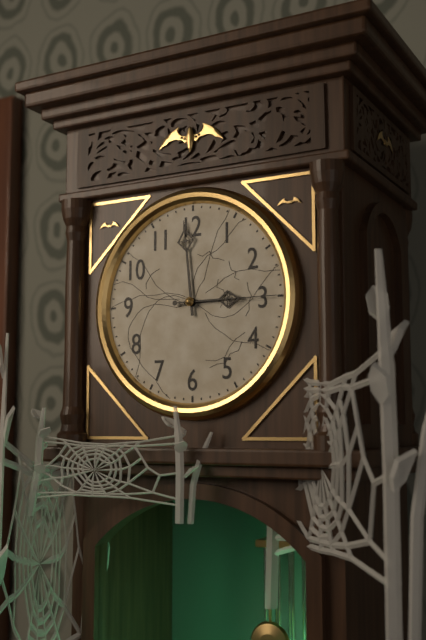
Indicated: 2 h 59 min 15 s
